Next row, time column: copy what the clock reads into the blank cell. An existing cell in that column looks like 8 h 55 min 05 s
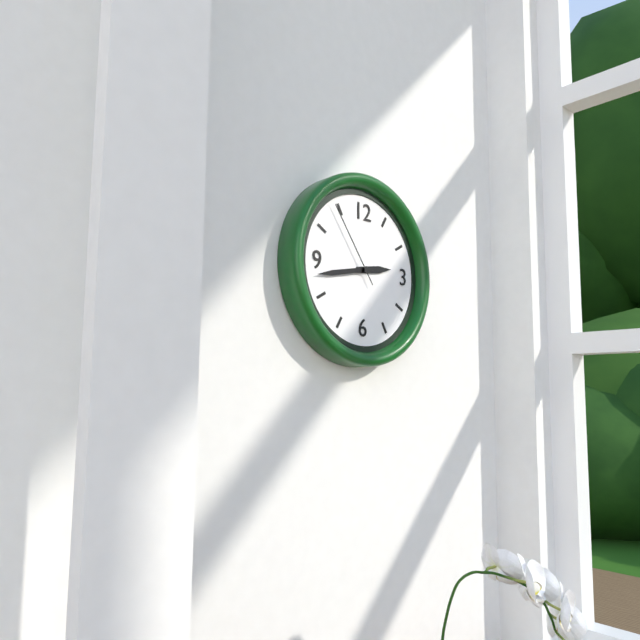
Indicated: 2 h 43 min 54 s
